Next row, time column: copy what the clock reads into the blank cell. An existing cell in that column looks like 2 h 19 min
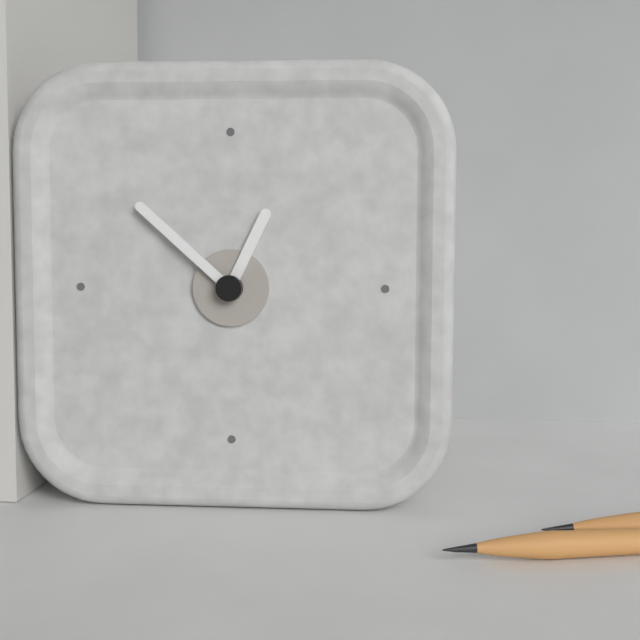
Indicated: 12 h 52 min
